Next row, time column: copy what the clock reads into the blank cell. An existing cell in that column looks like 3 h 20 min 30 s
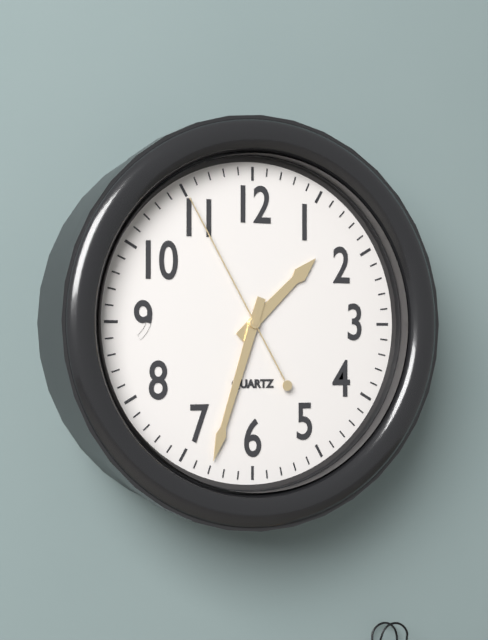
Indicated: 1 h 33 min 55 s
